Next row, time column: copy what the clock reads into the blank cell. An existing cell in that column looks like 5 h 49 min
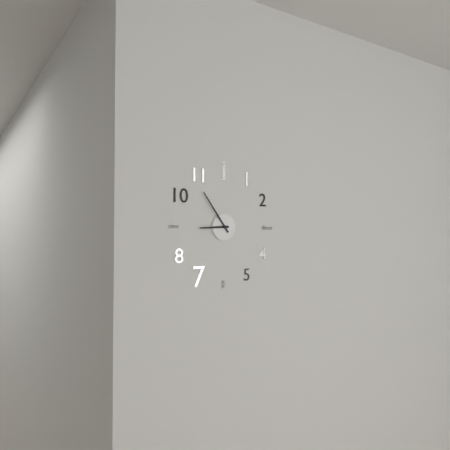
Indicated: 8 h 54 min
